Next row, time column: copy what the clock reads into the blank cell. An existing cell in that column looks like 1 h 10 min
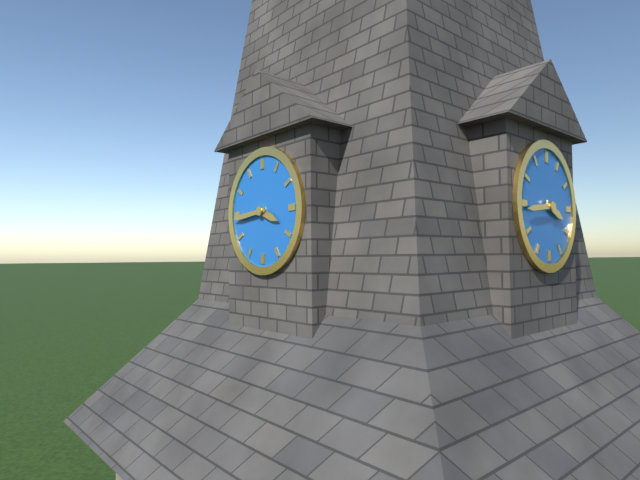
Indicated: 3 h 44 min
